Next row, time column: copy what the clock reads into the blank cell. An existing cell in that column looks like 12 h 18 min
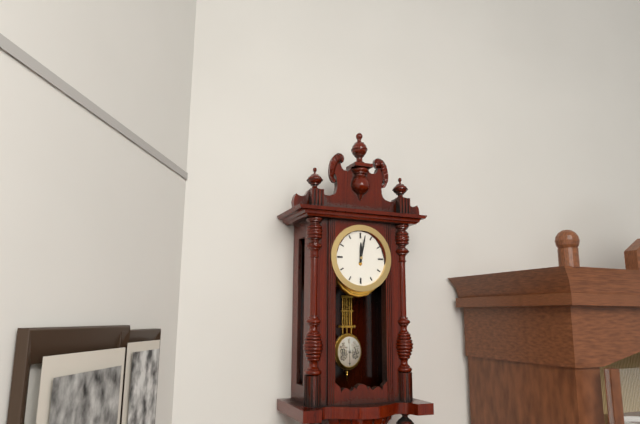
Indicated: 12 h 02 min
